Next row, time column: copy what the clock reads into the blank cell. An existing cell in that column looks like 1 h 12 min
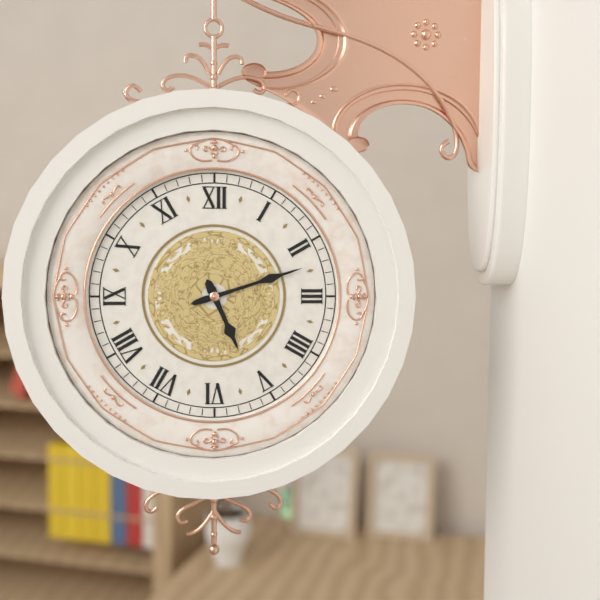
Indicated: 5 h 12 min
